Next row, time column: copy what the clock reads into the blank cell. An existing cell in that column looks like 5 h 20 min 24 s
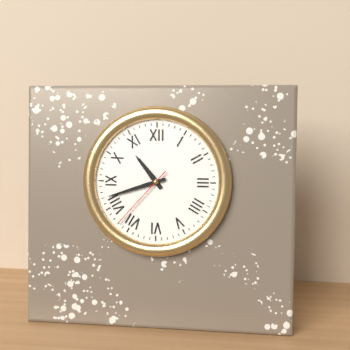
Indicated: 10 h 42 min 37 s
